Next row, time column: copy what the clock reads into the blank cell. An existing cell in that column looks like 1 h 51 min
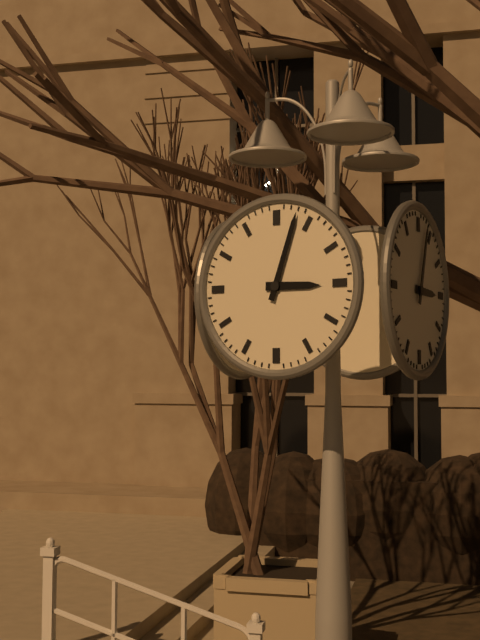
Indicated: 3 h 03 min
